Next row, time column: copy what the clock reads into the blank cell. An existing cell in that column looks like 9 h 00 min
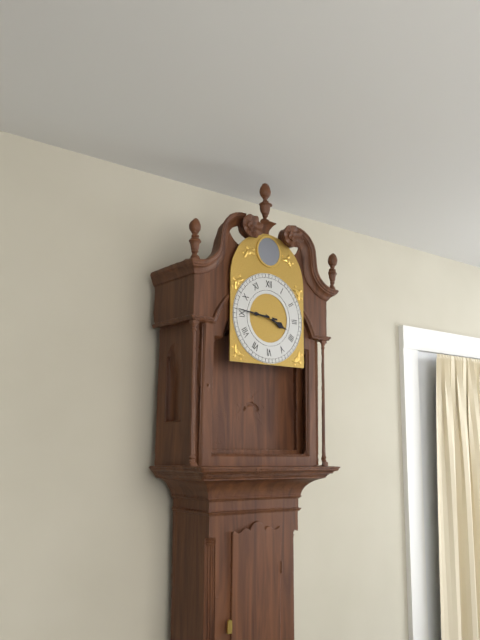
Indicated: 3 h 46 min
